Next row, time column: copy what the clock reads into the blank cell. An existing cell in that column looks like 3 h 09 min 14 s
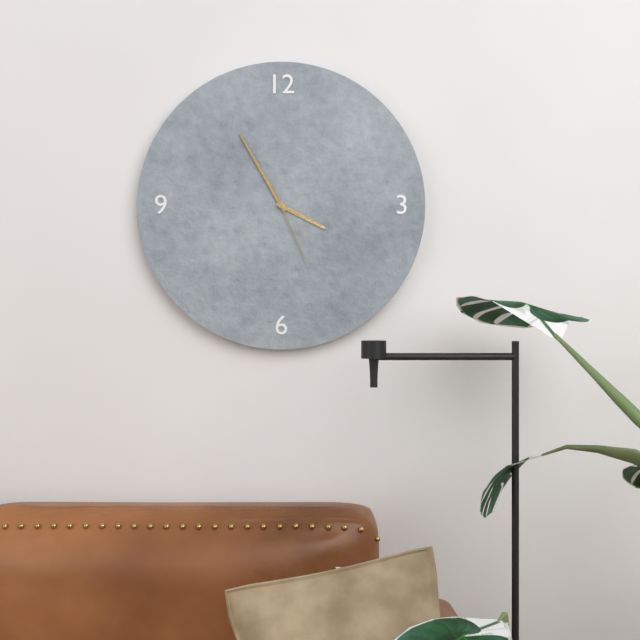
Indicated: 3 h 55 min 26 s
